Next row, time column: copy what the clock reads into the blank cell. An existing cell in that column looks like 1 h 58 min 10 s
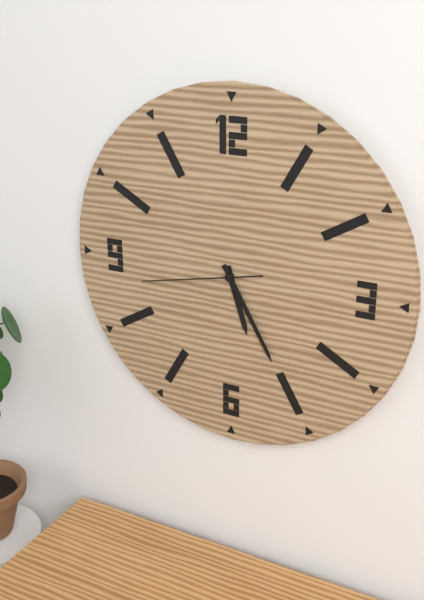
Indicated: 5 h 25 min 43 s
